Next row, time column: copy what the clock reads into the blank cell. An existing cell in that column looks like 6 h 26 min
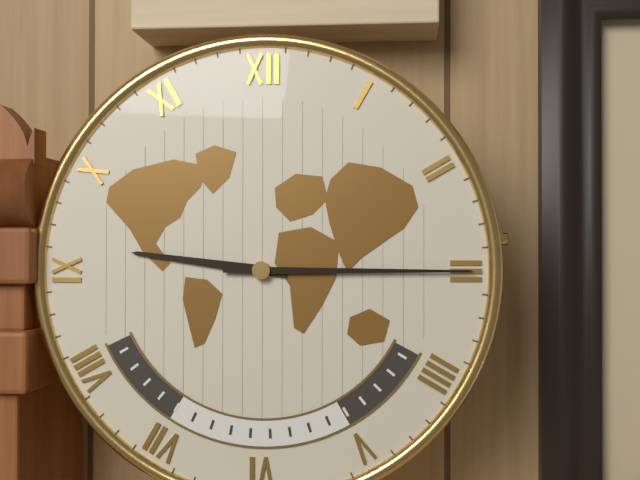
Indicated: 9 h 15 min
